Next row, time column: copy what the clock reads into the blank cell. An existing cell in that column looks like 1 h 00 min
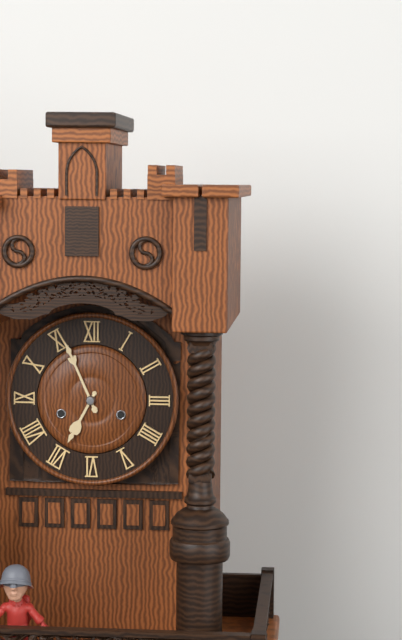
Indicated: 6 h 56 min
